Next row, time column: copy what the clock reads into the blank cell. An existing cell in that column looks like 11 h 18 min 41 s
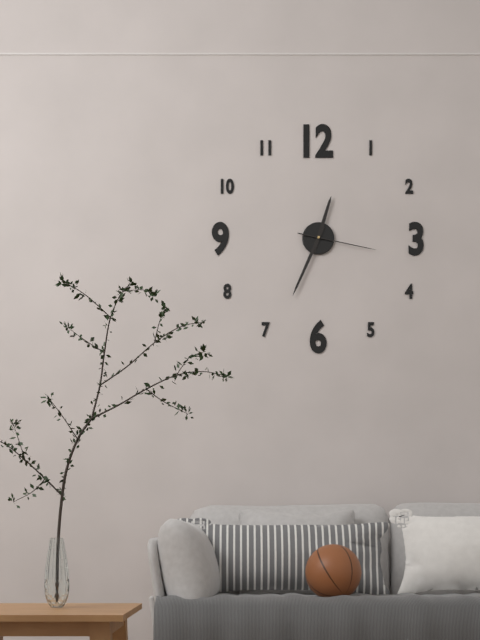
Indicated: 12 h 34 min 17 s
